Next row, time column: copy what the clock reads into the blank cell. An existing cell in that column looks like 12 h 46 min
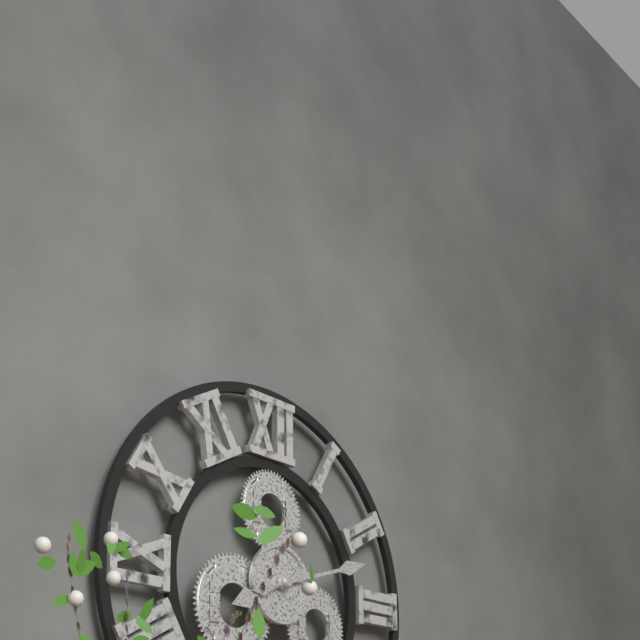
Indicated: 8 h 12 min
